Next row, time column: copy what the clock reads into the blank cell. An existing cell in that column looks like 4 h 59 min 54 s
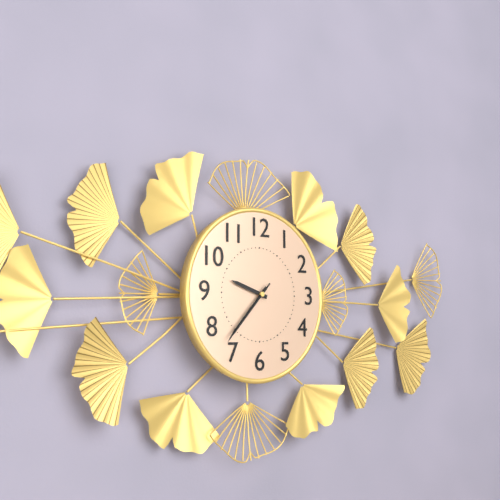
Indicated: 9 h 37 min 37 s
